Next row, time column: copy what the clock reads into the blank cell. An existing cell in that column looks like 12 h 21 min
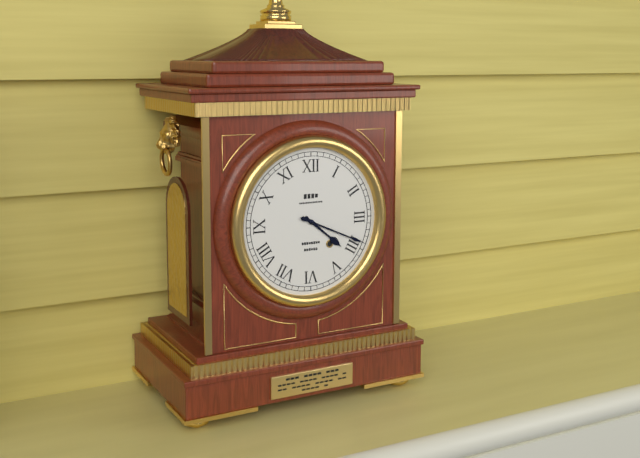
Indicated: 4 h 19 min
